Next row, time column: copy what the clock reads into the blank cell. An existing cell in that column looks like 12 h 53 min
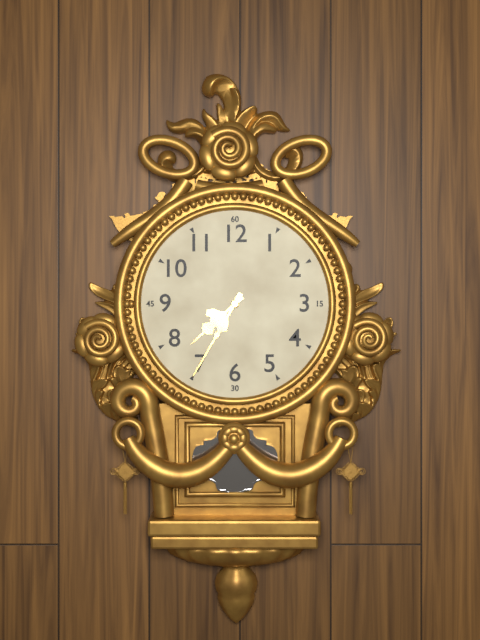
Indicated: 7 h 35 min
